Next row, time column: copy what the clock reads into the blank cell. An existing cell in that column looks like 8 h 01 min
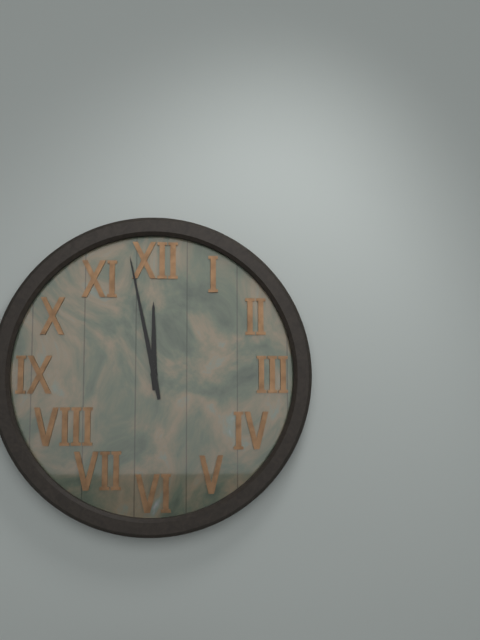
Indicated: 11 h 58 min
